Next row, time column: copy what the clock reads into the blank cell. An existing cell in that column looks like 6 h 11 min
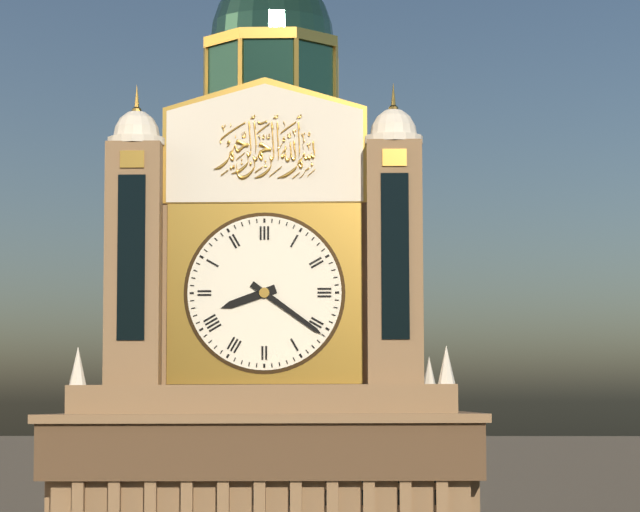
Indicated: 8 h 21 min
